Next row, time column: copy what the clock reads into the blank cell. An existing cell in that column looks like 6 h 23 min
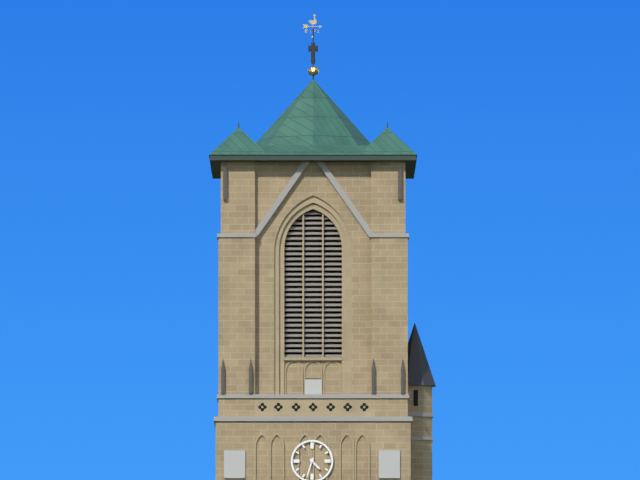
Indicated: 4 h 33 min
